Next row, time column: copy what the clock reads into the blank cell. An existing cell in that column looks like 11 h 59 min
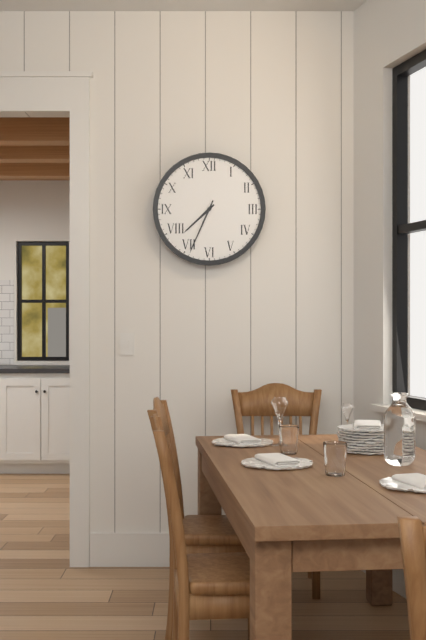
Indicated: 7 h 34 min
